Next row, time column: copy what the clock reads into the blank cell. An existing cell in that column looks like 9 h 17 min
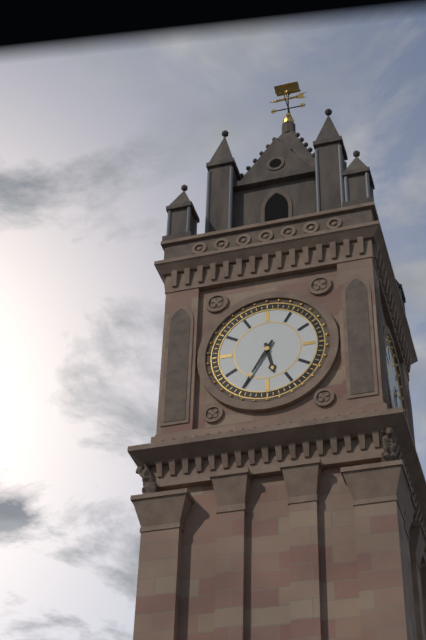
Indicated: 5 h 35 min
